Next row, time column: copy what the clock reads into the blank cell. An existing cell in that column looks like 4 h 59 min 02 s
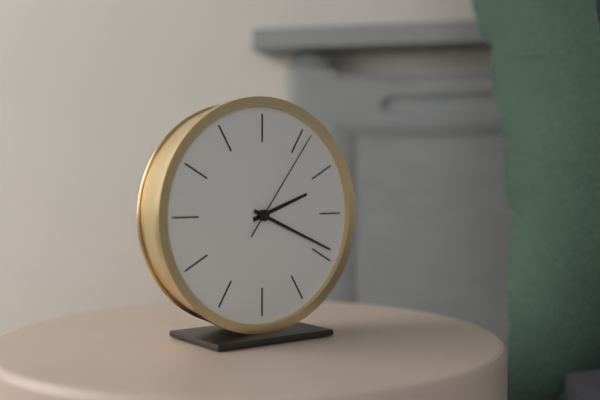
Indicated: 2 h 19 min 06 s
